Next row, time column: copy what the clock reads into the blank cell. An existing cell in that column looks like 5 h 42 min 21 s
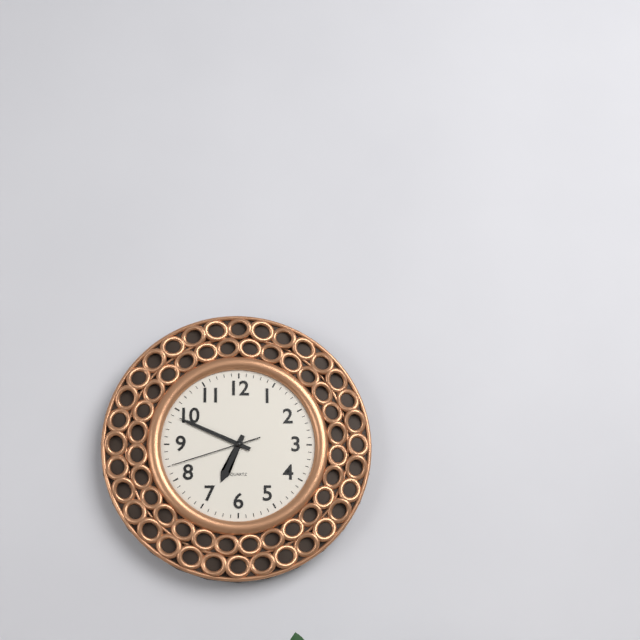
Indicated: 6 h 49 min 42 s
